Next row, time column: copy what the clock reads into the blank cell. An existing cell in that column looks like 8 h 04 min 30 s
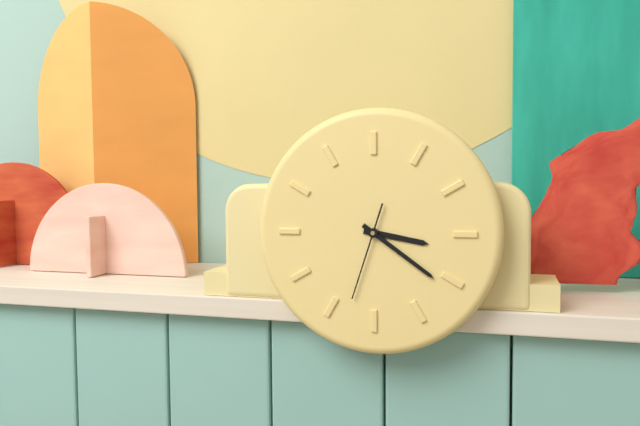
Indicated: 3 h 21 min 33 s
